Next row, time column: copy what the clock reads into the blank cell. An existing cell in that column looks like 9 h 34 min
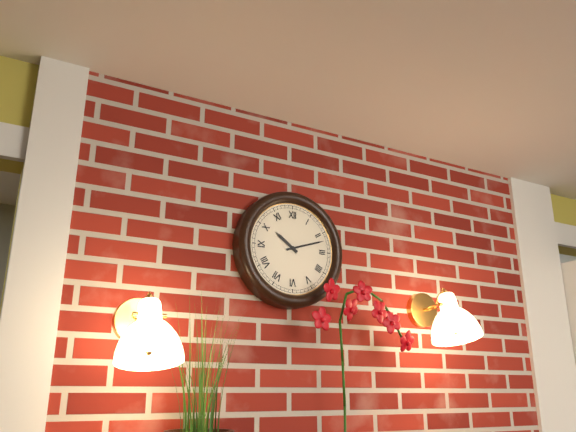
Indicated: 10 h 12 min
